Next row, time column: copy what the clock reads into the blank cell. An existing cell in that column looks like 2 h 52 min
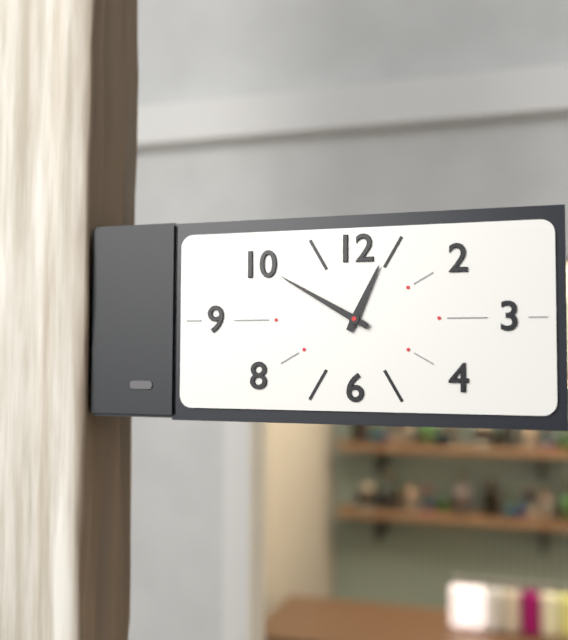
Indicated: 12 h 50 min
